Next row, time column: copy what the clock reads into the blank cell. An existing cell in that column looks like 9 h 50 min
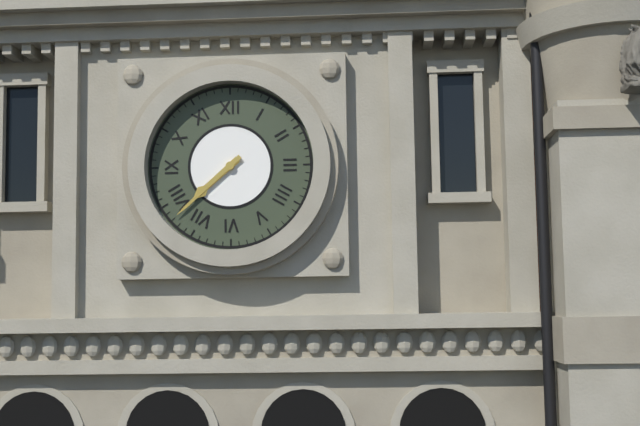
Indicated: 7 h 38 min
